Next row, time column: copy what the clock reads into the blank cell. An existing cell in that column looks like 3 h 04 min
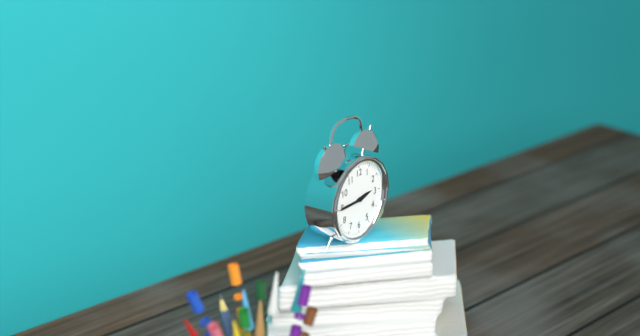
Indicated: 2 h 45 min
